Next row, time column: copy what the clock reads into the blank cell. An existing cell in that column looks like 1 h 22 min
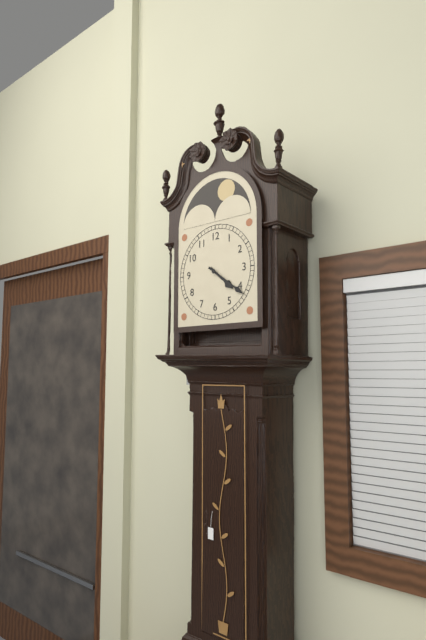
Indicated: 4 h 21 min
